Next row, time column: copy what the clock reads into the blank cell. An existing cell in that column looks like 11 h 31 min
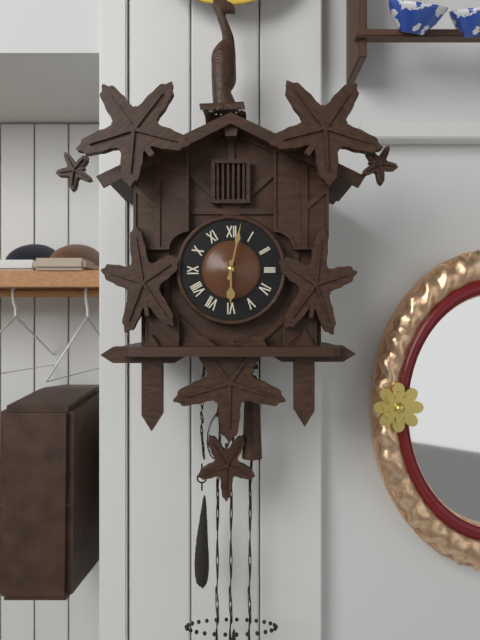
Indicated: 6 h 02 min
